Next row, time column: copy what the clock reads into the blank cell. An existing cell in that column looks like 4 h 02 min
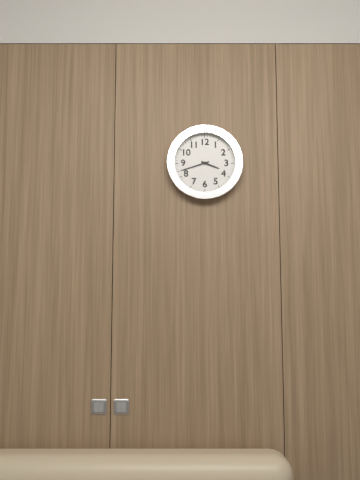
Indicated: 3 h 42 min
